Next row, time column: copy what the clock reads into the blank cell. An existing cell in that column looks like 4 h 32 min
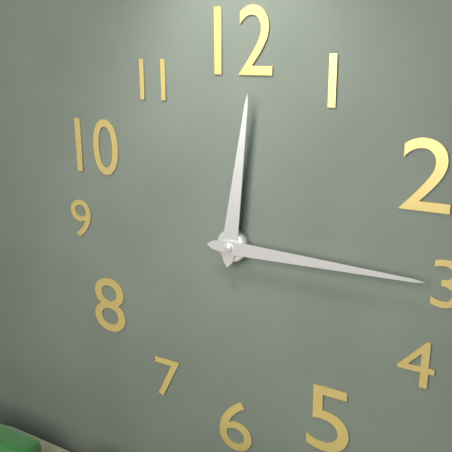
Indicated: 12 h 15 min
